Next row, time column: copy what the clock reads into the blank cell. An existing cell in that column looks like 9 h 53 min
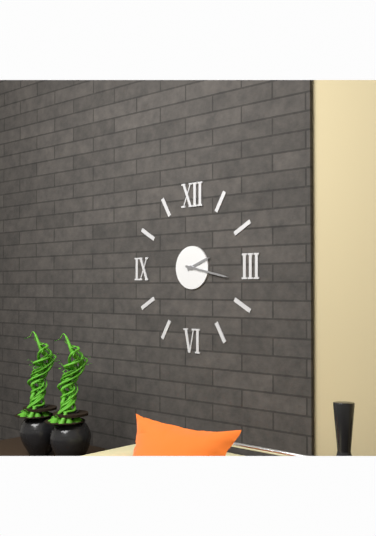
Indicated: 2 h 17 min
